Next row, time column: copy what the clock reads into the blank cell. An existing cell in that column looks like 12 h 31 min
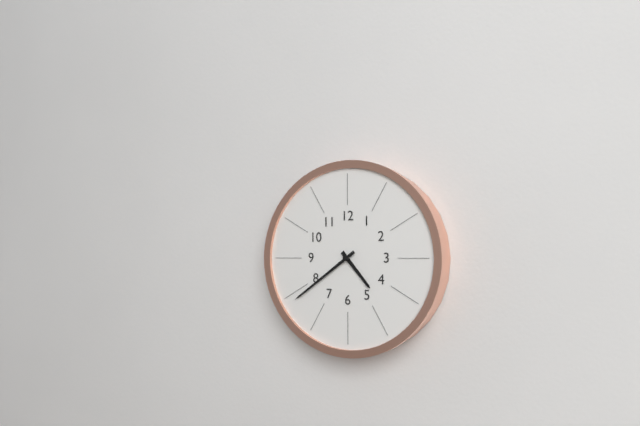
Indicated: 4 h 39 min
